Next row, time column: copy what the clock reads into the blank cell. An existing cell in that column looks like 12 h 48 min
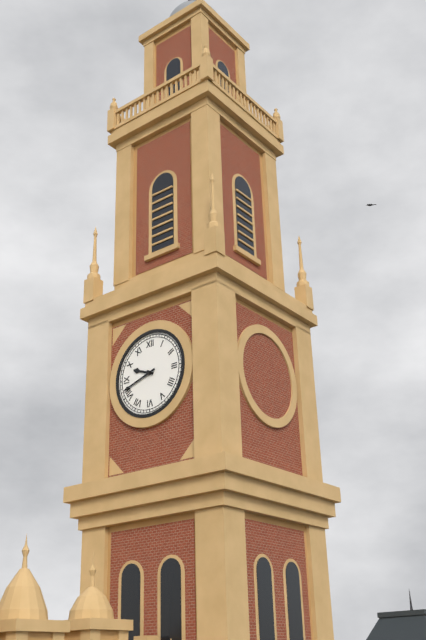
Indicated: 9 h 42 min
